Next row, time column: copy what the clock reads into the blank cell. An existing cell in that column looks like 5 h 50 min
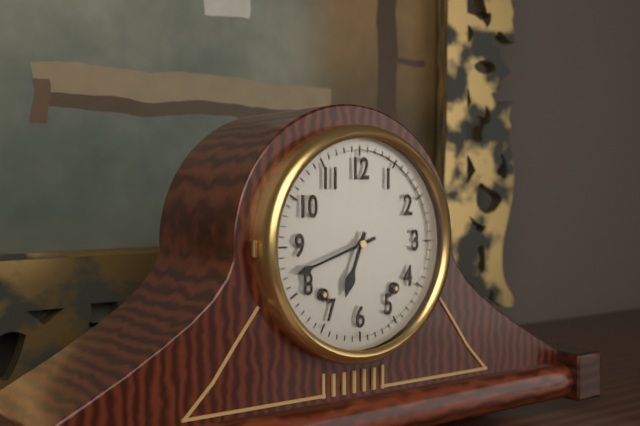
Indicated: 6 h 42 min
